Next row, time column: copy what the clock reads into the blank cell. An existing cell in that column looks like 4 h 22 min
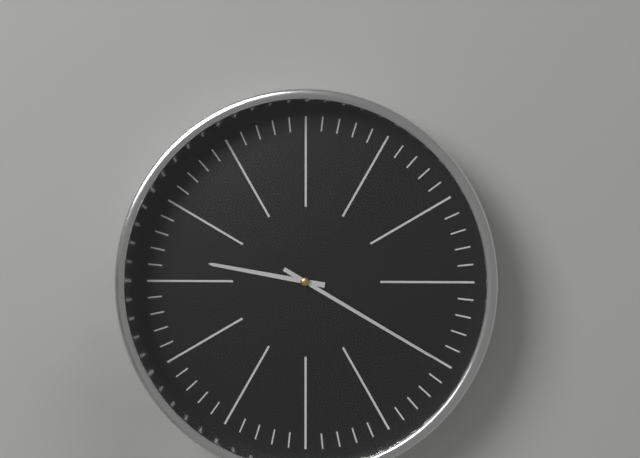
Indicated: 9 h 20 min
